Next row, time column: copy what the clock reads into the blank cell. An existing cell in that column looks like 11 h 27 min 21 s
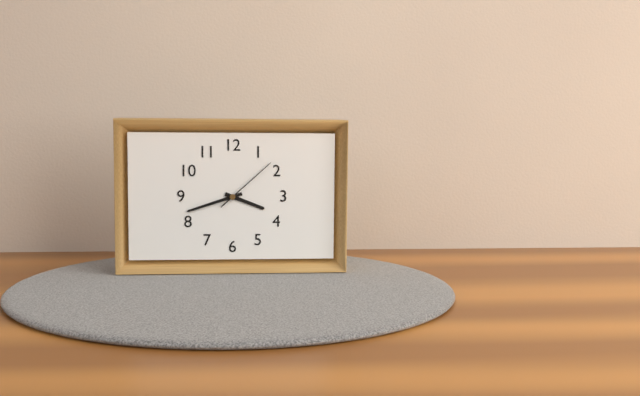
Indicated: 3 h 42 min 08 s
